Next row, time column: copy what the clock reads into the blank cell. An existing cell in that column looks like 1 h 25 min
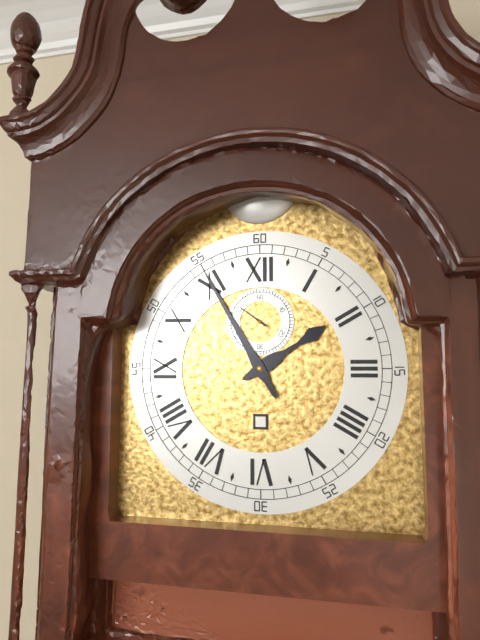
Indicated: 1 h 55 min
